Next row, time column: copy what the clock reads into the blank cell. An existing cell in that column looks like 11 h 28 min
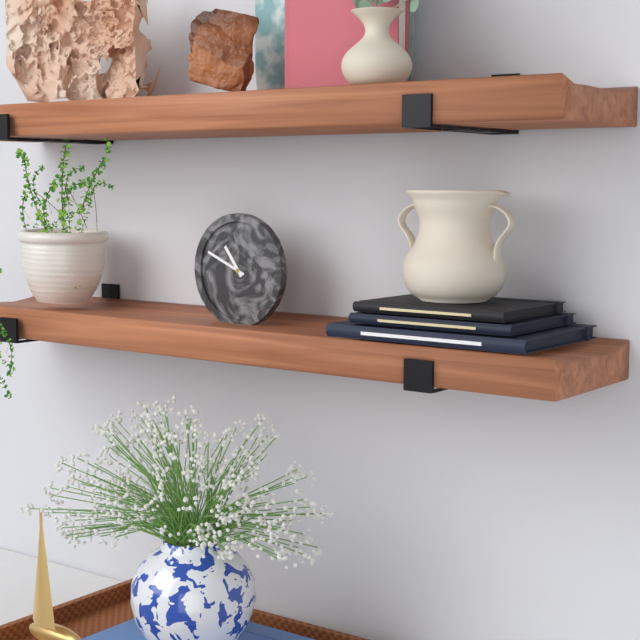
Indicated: 10 h 49 min
